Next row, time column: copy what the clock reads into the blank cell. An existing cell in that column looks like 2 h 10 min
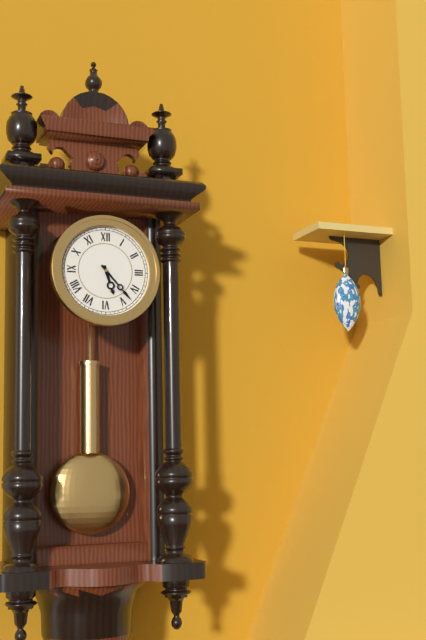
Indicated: 5 h 23 min
